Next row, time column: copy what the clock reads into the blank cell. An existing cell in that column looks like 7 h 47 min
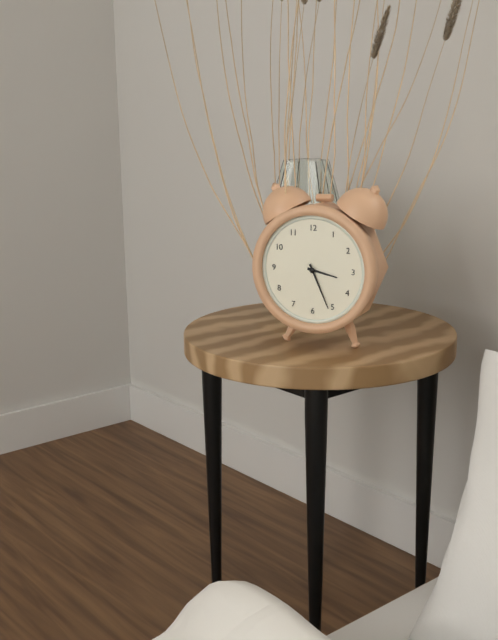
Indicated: 3 h 26 min
